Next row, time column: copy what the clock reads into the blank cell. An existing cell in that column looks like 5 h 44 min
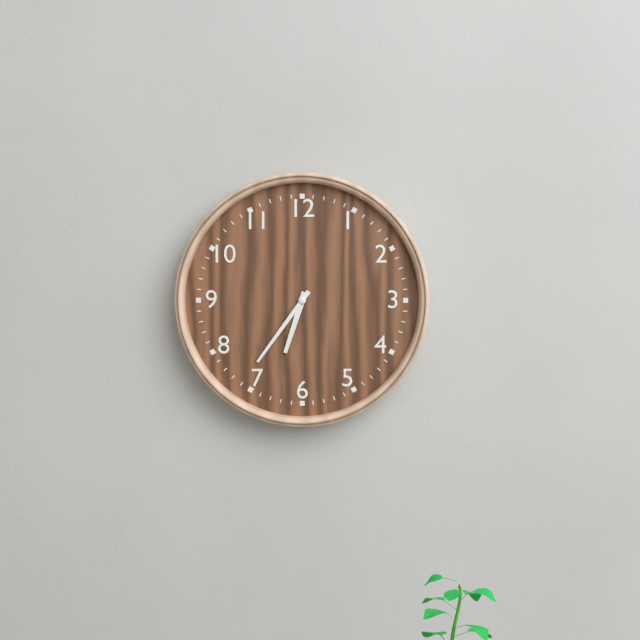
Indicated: 6 h 36 min
